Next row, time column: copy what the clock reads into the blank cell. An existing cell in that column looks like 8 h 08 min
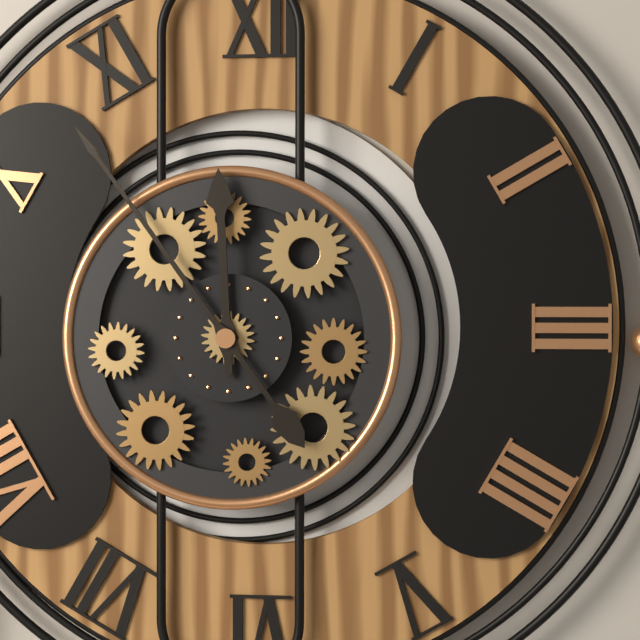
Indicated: 11 h 54 min
